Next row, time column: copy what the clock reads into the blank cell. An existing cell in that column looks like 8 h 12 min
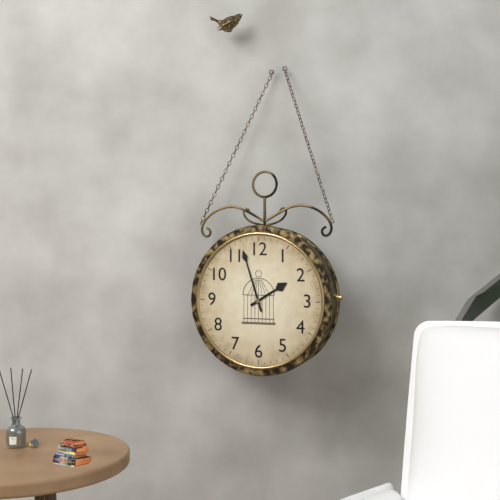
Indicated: 1 h 57 min
